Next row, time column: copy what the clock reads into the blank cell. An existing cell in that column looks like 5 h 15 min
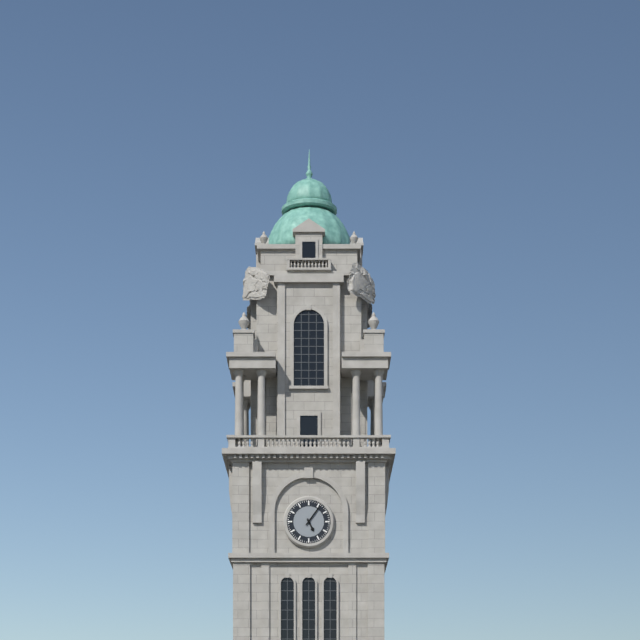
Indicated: 5 h 06 min
